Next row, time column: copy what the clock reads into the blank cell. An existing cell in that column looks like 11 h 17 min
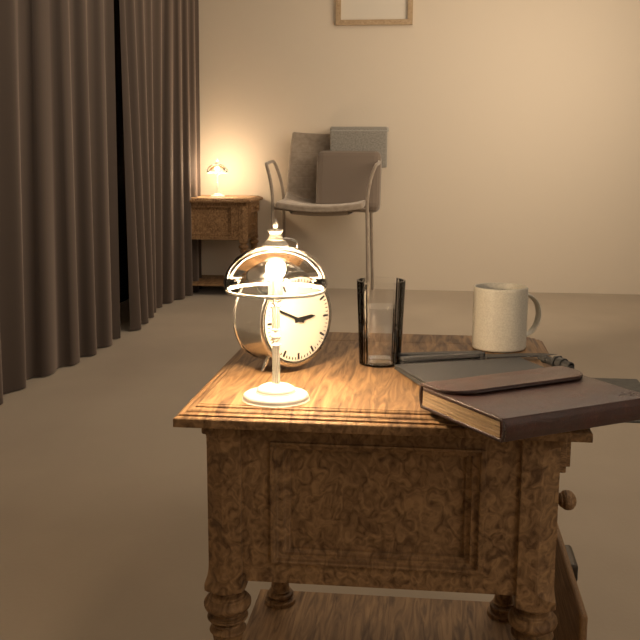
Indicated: 2 h 49 min
